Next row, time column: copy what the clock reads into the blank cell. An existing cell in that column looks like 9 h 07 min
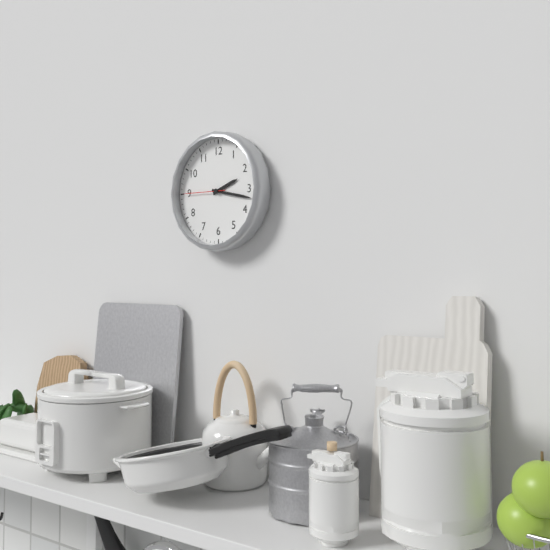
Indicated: 2 h 17 min
